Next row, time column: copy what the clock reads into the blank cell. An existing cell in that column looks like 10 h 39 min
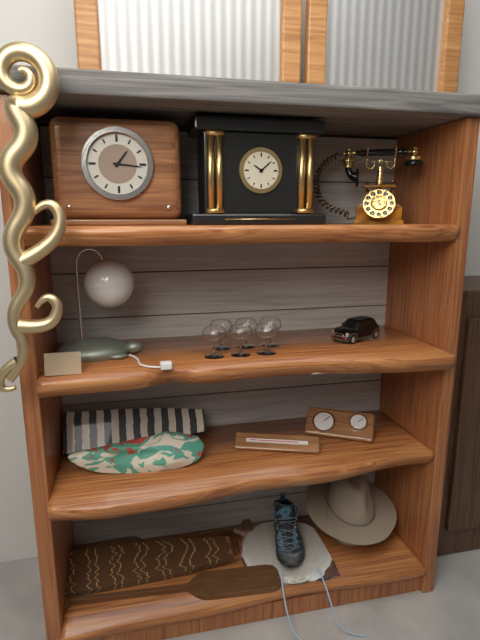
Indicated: 1 h 16 min
